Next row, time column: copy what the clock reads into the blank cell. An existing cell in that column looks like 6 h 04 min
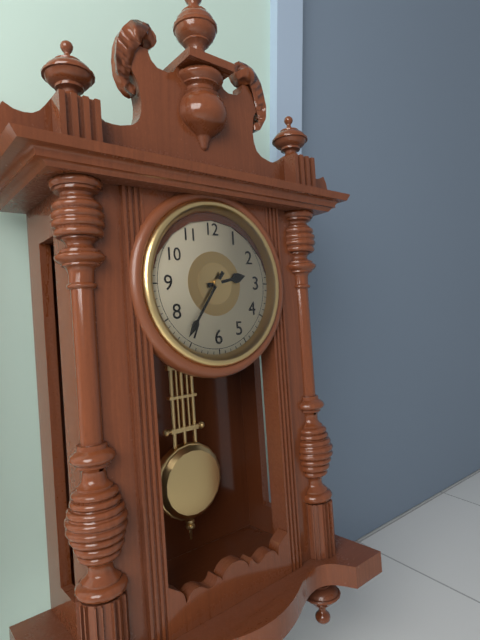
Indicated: 2 h 36 min
